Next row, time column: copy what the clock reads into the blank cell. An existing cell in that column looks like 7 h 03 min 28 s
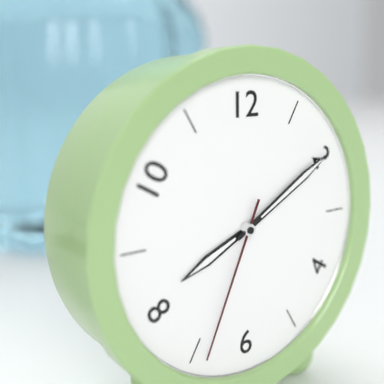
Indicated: 8 h 10 min 34 s
